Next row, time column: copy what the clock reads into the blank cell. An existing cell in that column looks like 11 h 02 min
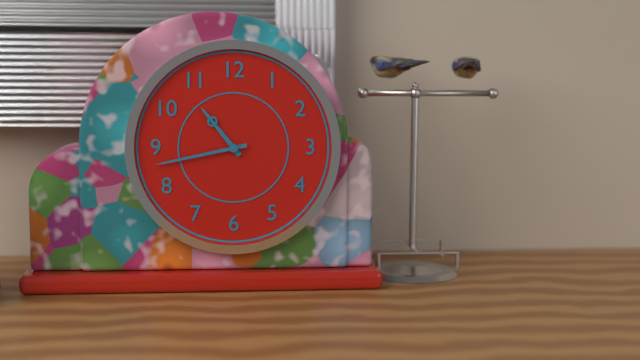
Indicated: 10 h 43 min
